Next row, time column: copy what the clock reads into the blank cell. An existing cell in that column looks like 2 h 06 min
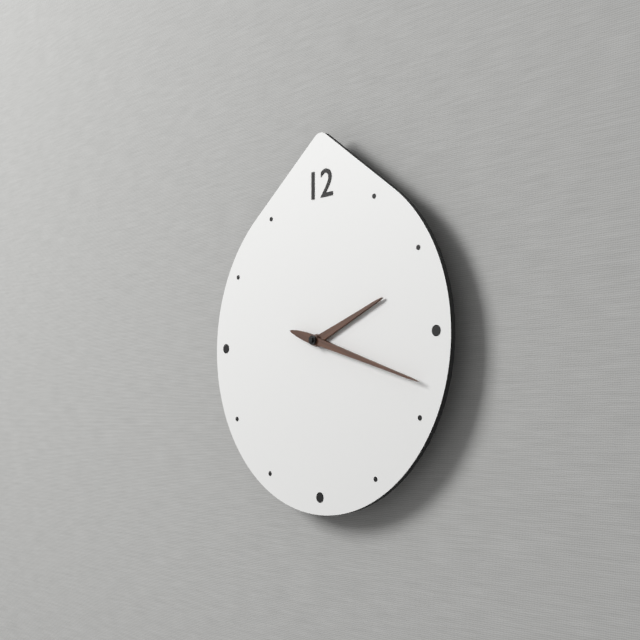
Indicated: 2 h 18 min
